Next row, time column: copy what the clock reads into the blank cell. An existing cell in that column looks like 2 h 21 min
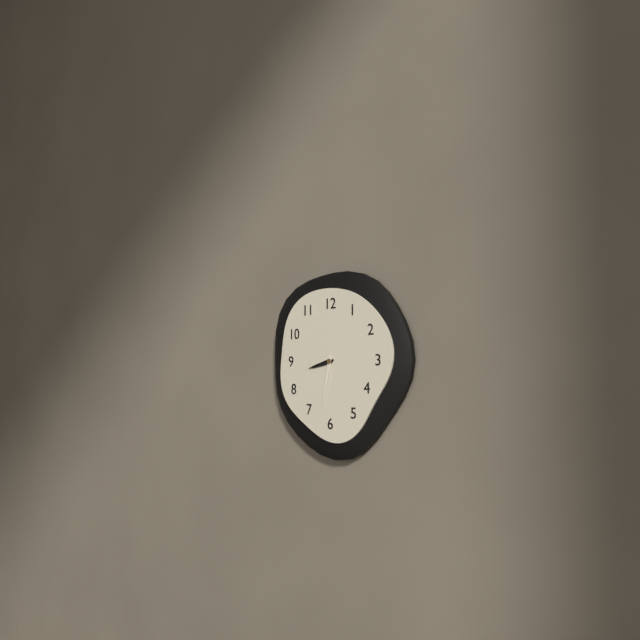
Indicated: 8 h 32 min
